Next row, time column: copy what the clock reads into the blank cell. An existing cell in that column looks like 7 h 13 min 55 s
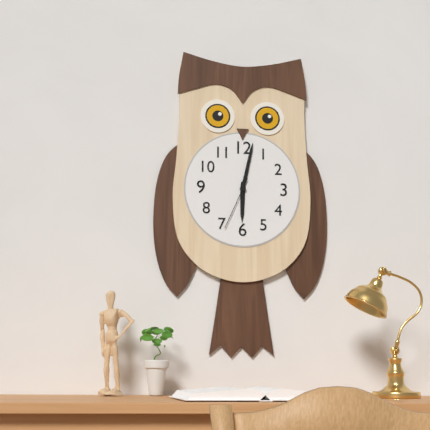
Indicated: 6 h 02 min 34 s
